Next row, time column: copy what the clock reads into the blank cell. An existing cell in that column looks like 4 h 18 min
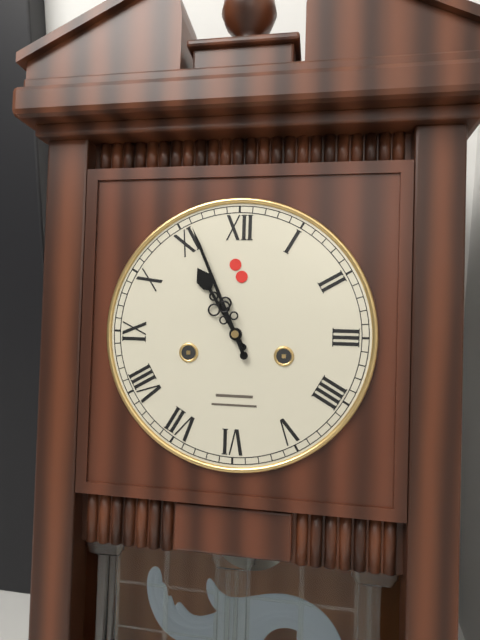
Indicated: 10 h 56 min
